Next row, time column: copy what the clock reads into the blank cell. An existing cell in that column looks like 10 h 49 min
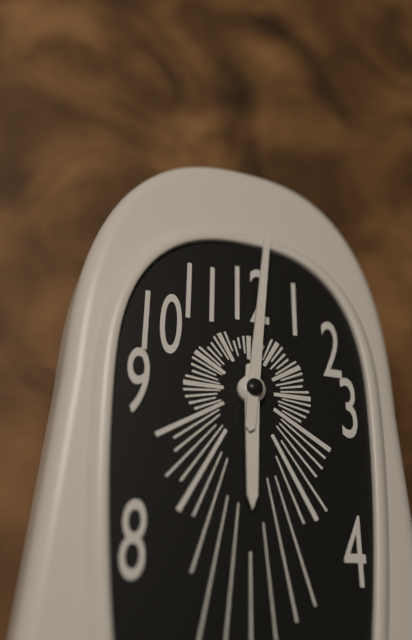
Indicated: 6 h 01 min
